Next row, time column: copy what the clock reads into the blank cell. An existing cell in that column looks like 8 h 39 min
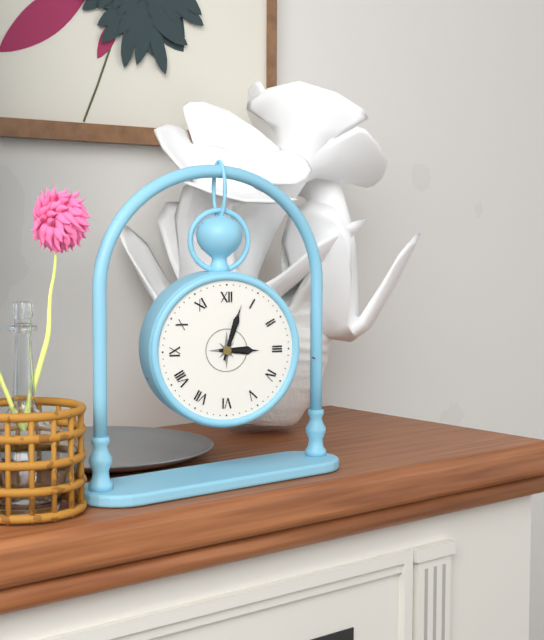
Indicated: 3 h 03 min
